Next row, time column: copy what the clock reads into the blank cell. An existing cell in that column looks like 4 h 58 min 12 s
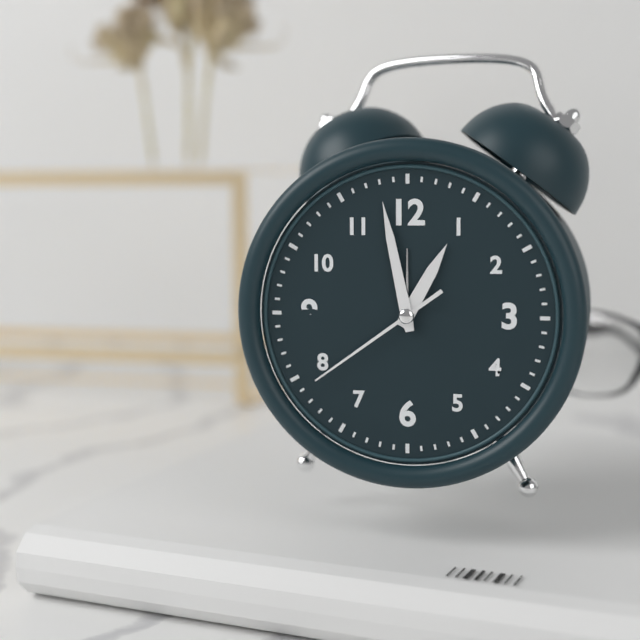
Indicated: 12 h 58 min 39 s
